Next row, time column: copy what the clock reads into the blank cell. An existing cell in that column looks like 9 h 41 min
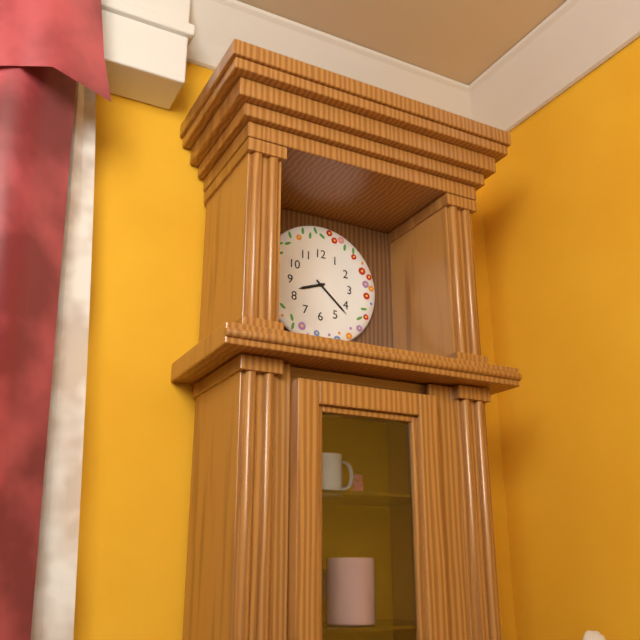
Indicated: 8 h 22 min
